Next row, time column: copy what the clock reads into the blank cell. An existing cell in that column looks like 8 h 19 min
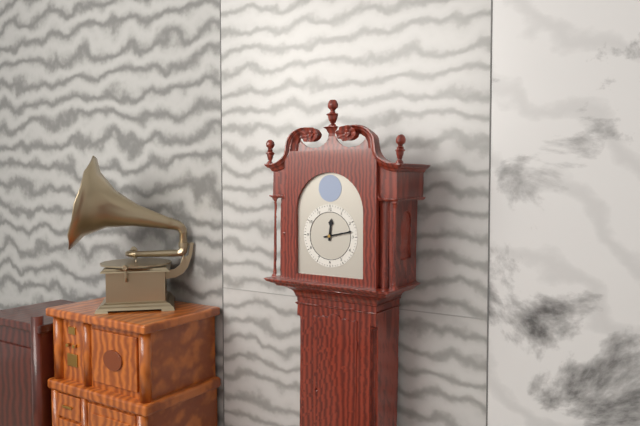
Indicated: 12 h 13 min
